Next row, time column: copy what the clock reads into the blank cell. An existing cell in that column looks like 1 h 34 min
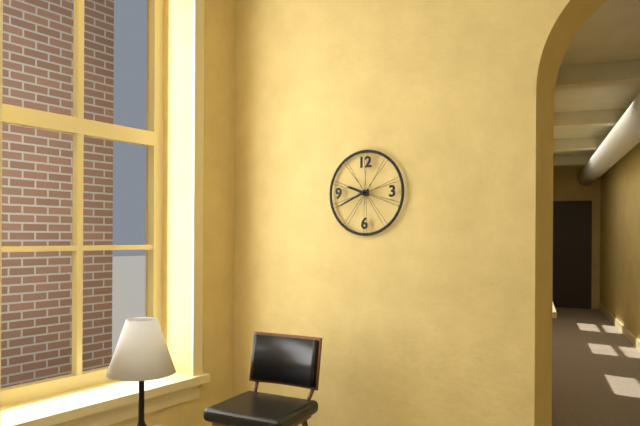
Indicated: 9 h 41 min
